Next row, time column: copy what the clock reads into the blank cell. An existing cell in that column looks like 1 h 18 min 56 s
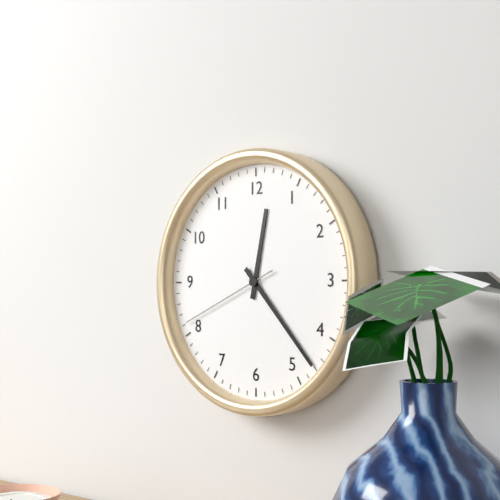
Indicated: 12 h 23 min 41 s
